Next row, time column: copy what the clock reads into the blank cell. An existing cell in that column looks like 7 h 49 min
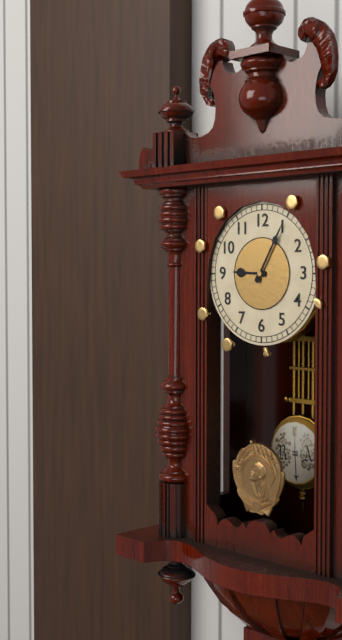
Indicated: 9 h 05 min
